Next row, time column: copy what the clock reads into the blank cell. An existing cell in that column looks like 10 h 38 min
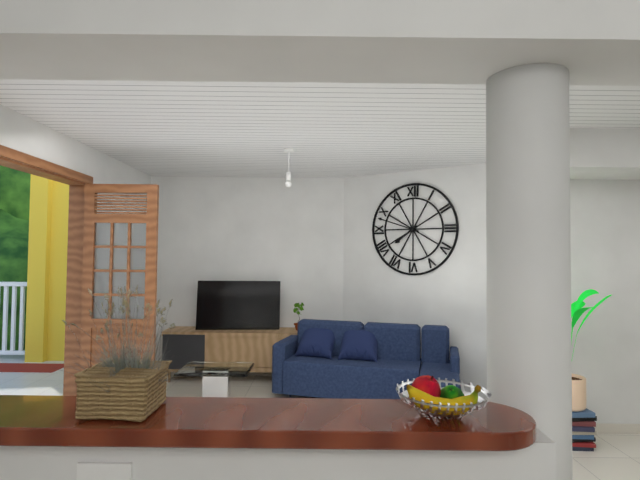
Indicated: 7 h 48 min
